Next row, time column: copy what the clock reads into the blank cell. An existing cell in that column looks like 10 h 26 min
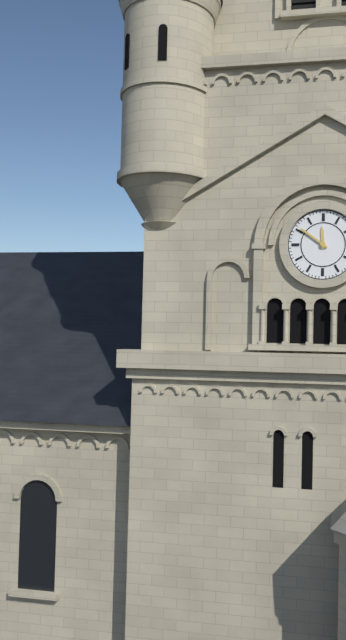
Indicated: 11 h 51 min
